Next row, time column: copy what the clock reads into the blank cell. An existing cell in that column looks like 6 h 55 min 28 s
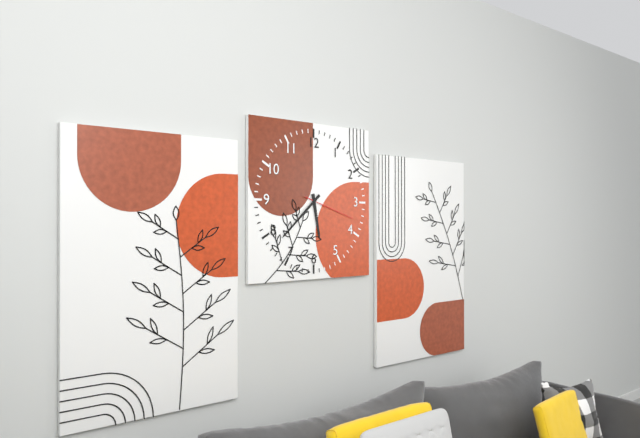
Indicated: 5 h 38 min 18 s
